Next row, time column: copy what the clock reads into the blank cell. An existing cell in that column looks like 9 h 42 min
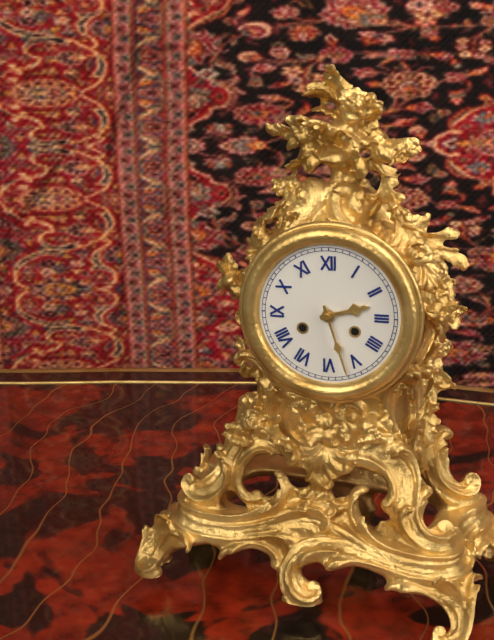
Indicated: 2 h 27 min
